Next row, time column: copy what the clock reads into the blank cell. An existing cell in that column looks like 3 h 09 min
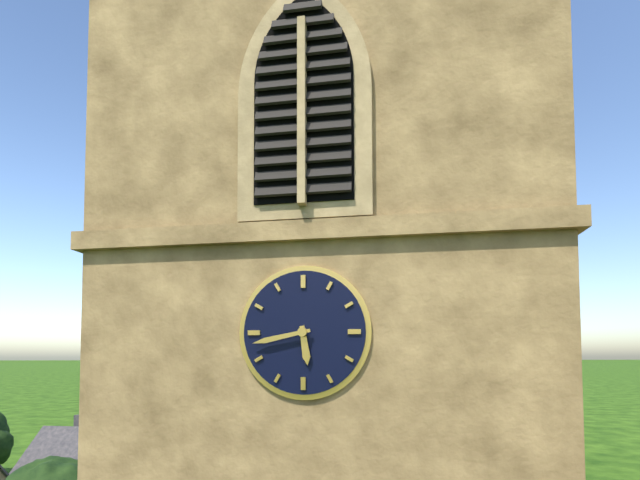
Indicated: 5 h 43 min
